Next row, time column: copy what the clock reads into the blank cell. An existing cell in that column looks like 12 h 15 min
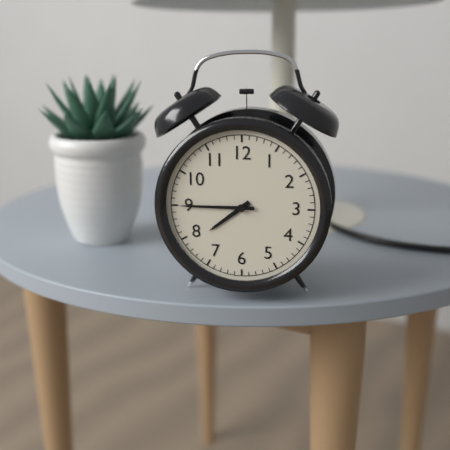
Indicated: 7 h 45 min
